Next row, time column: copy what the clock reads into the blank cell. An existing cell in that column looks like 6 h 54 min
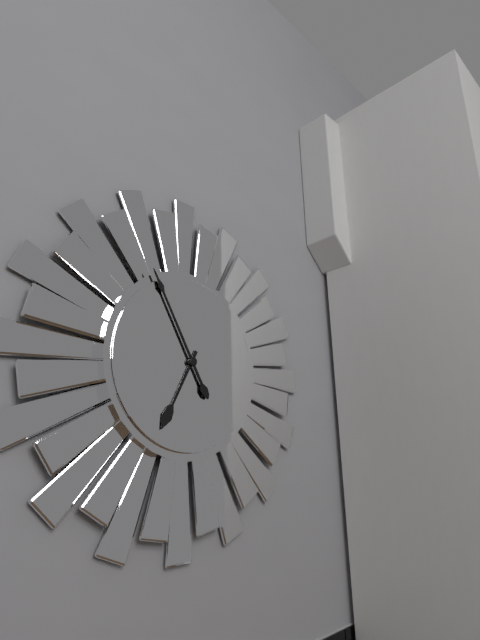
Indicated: 6 h 55 min
